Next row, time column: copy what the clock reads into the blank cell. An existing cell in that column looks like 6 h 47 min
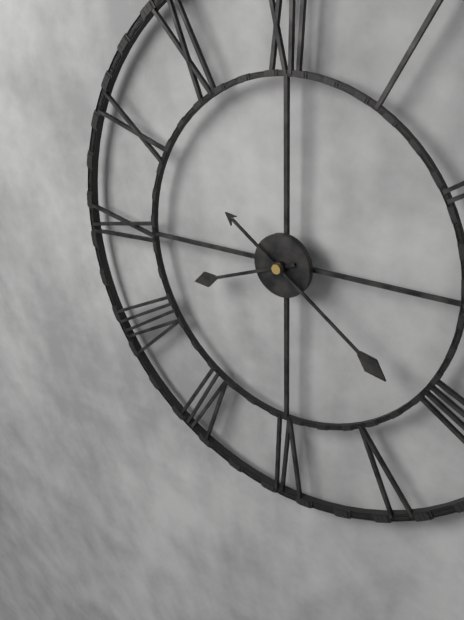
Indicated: 8 h 21 min
